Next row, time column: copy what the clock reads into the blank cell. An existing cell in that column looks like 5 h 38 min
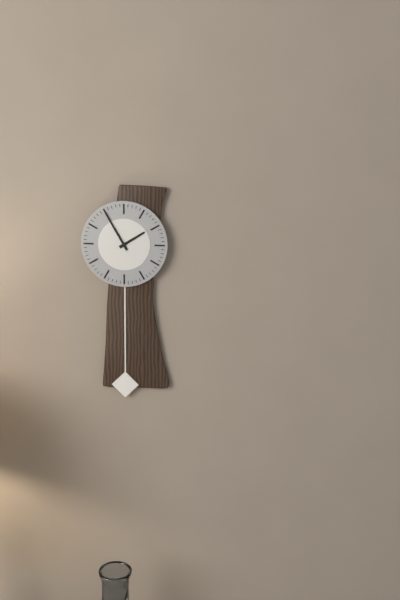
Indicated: 1 h 55 min
